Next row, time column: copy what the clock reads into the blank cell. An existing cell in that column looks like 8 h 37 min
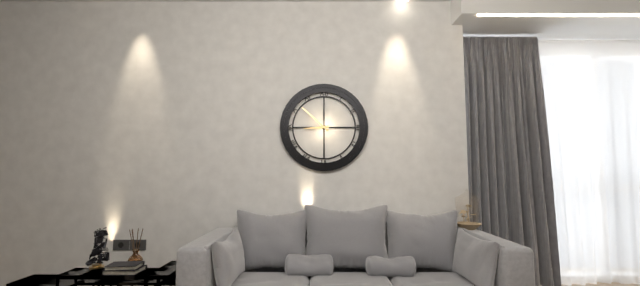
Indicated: 8 h 52 min
